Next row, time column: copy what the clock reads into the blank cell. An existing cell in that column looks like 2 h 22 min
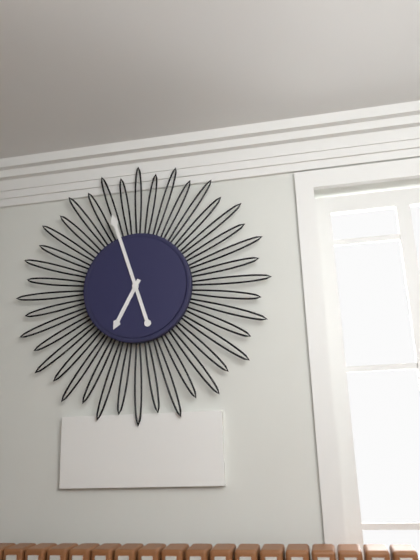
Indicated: 6 h 57 min
